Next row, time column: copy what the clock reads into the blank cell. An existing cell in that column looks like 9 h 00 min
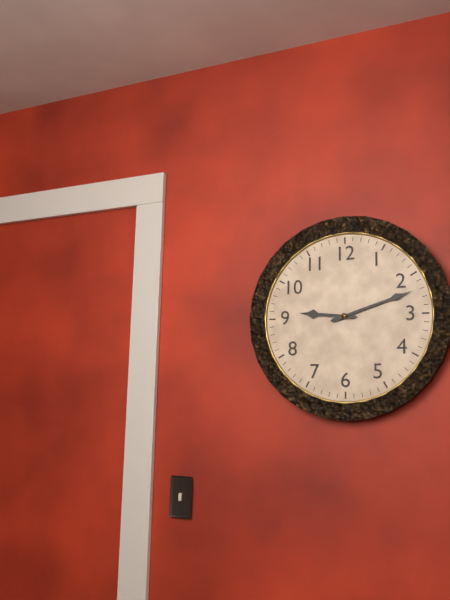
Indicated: 9 h 12 min
